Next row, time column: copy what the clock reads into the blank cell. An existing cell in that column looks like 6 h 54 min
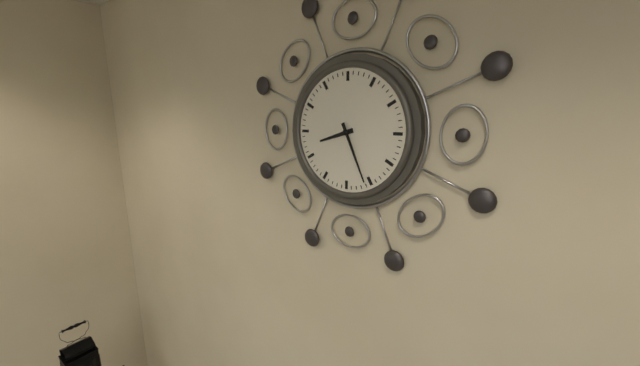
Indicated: 8 h 26 min
